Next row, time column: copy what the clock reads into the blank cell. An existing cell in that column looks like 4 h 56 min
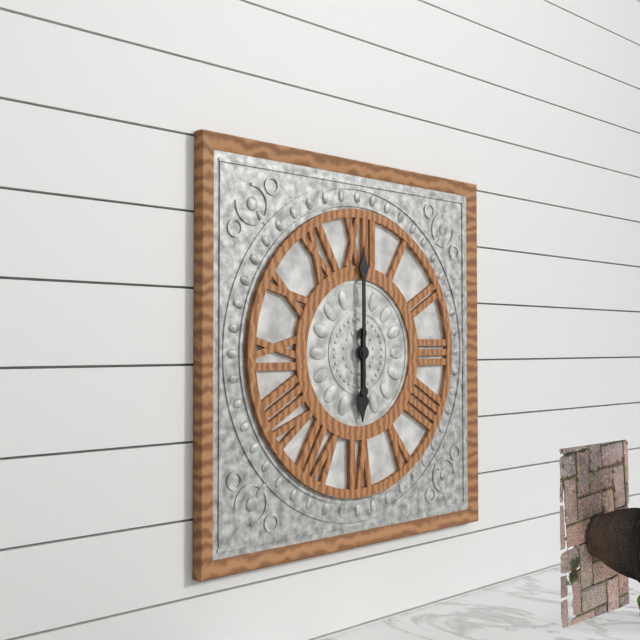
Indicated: 6 h 00 min
